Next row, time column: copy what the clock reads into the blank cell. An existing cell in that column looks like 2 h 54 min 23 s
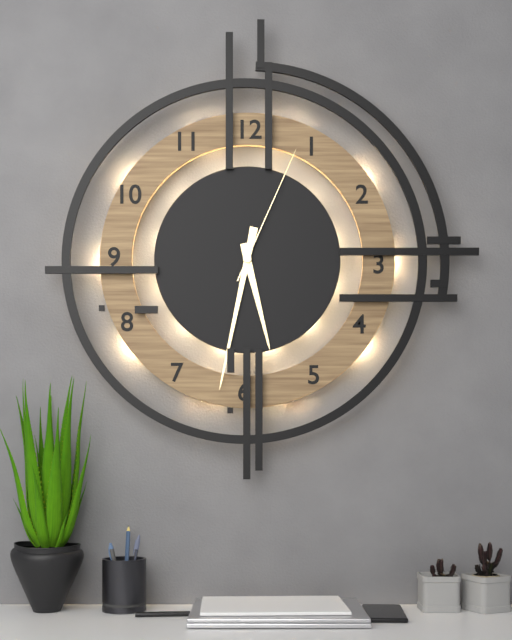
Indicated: 5 h 32 min 04 s
